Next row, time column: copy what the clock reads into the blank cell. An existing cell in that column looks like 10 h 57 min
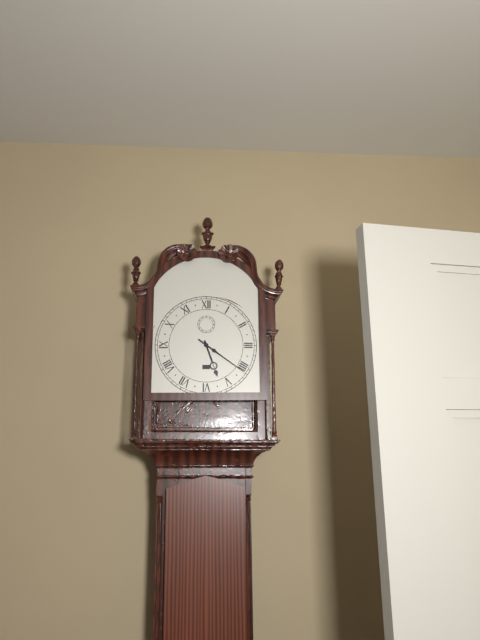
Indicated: 5 h 21 min
